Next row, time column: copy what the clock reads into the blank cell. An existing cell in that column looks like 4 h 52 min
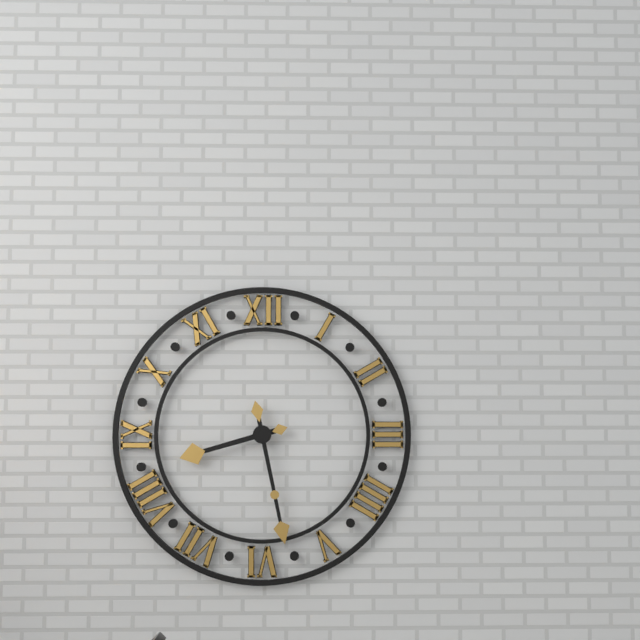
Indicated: 8 h 28 min
